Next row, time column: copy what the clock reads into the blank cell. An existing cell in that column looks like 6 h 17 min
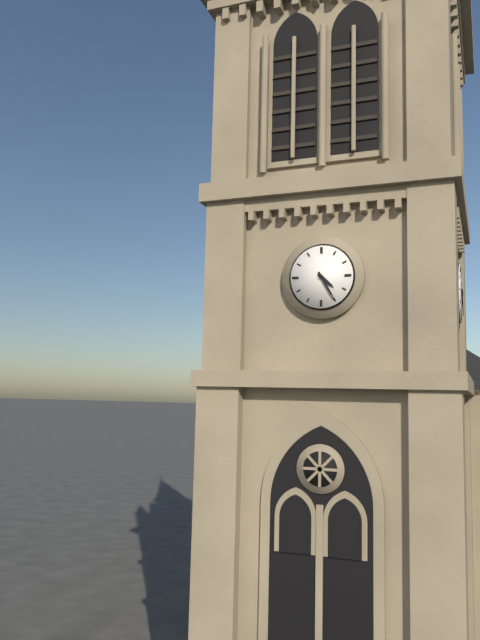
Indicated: 4 h 25 min
